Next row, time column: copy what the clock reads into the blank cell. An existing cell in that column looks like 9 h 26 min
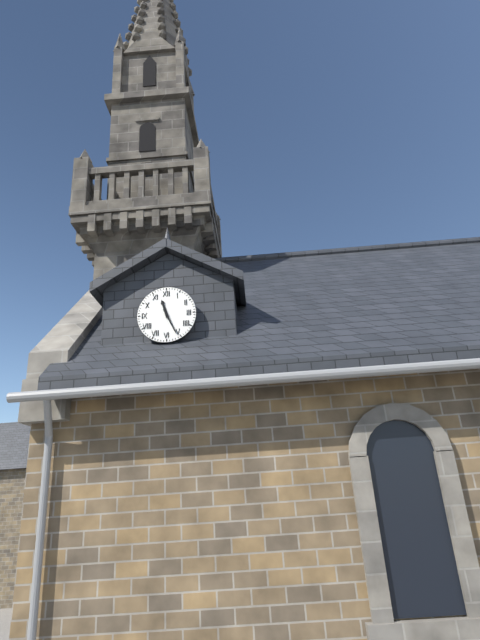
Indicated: 11 h 26 min
